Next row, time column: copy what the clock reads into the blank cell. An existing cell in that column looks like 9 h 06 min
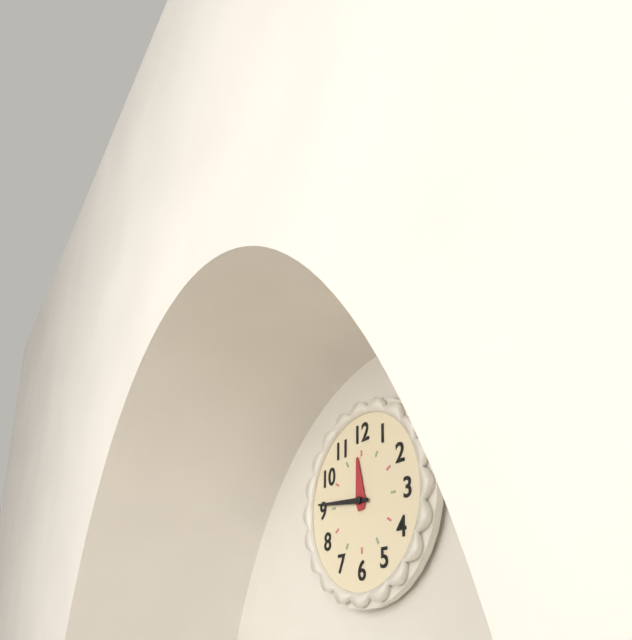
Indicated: 11 h 46 min
